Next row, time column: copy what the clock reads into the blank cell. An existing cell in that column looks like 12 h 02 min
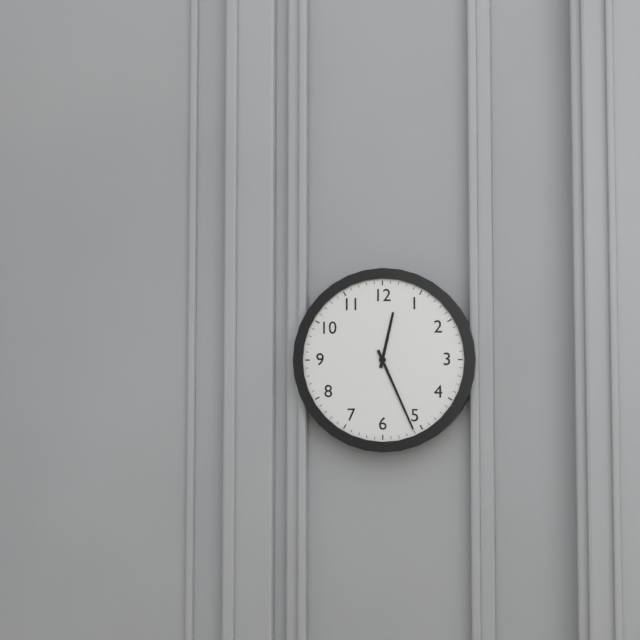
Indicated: 12 h 26 min
